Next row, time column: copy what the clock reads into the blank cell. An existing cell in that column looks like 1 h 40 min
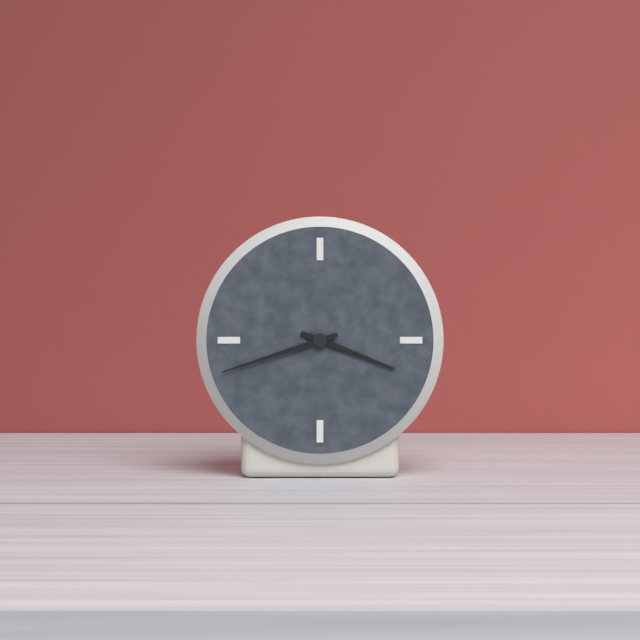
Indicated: 3 h 42 min
